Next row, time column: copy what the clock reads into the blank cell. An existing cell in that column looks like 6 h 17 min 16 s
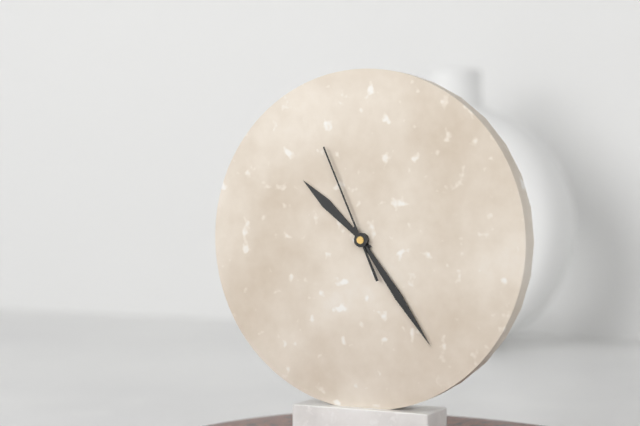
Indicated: 10 h 24 min 56 s
